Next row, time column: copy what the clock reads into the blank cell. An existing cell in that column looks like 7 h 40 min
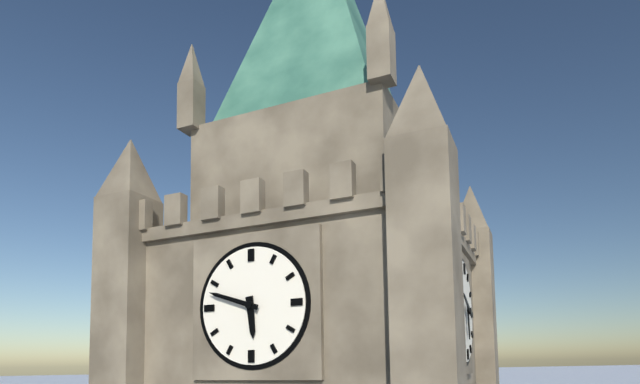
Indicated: 5 h 48 min
